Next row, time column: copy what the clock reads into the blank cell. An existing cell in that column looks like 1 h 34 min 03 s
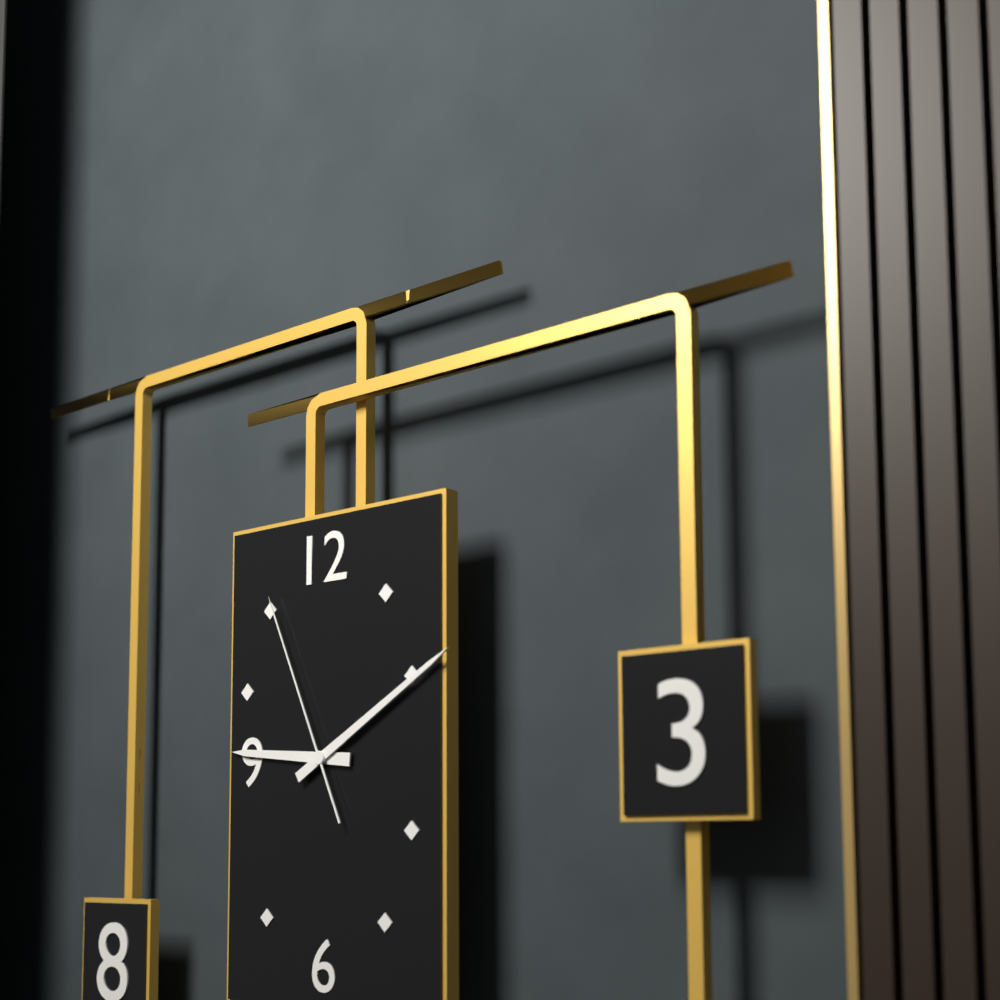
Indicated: 9 h 10 min 56 s
